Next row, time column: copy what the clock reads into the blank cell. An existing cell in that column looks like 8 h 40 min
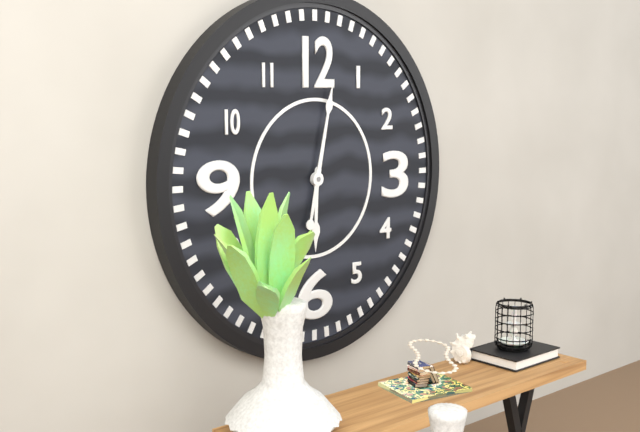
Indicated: 6 h 02 min
